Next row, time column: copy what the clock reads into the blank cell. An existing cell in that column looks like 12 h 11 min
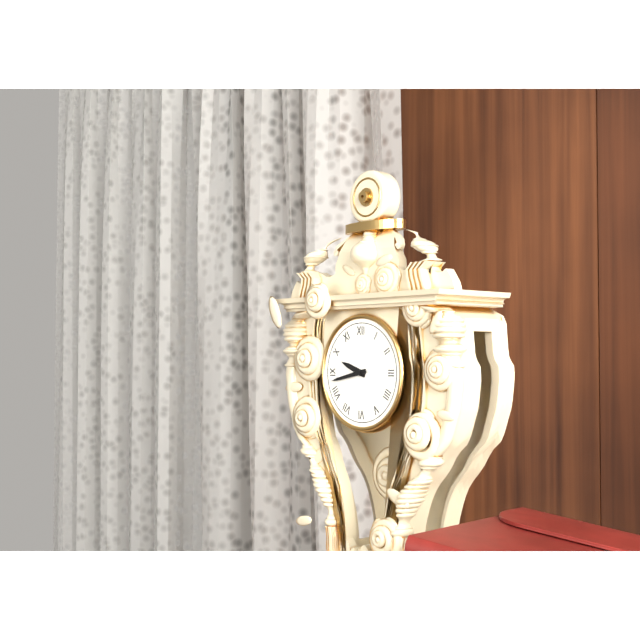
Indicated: 9 h 43 min
